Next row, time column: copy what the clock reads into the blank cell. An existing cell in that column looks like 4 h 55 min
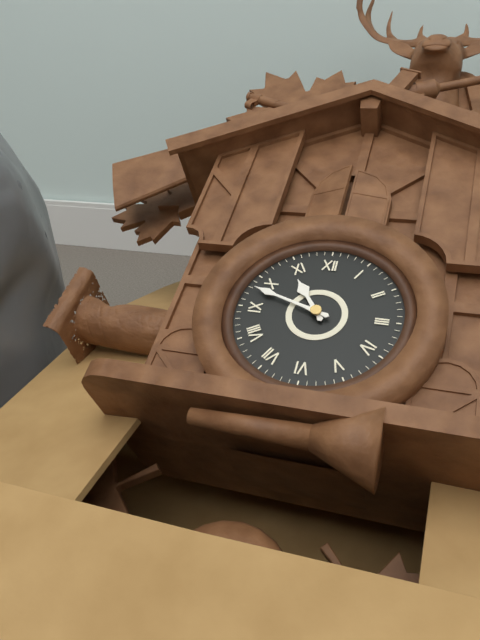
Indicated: 10 h 48 min
